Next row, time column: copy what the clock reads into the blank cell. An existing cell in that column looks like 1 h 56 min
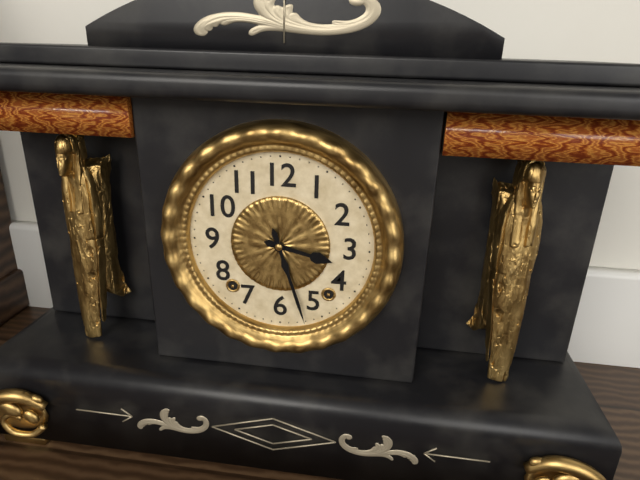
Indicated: 3 h 27 min
